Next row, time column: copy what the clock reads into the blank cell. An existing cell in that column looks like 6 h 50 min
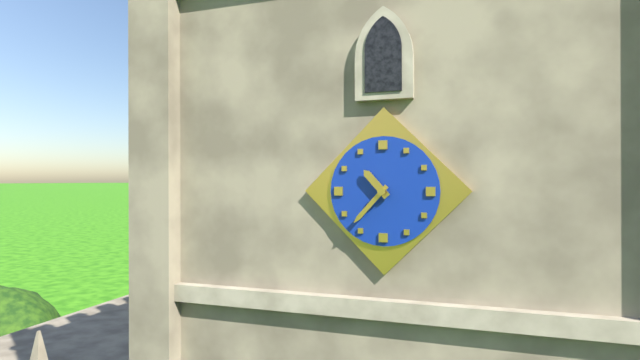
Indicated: 10 h 37 min
